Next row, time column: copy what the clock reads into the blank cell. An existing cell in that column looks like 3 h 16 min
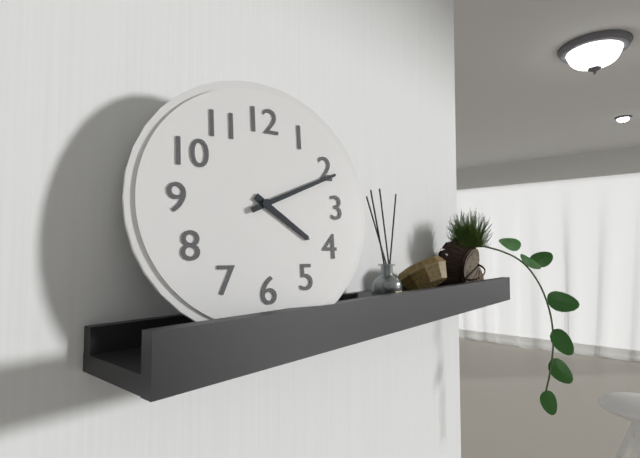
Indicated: 4 h 11 min
